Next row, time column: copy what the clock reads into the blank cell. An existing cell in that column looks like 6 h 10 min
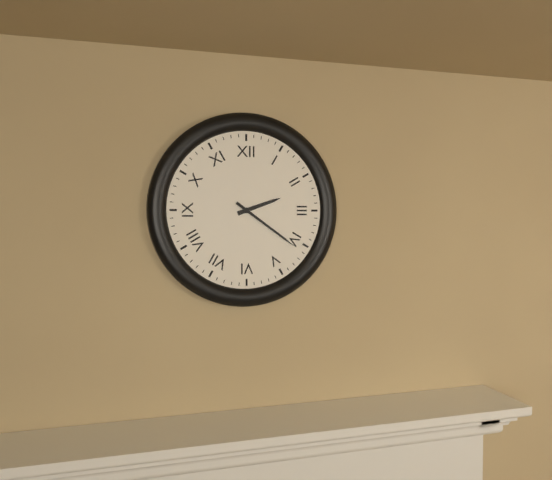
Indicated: 2 h 21 min
